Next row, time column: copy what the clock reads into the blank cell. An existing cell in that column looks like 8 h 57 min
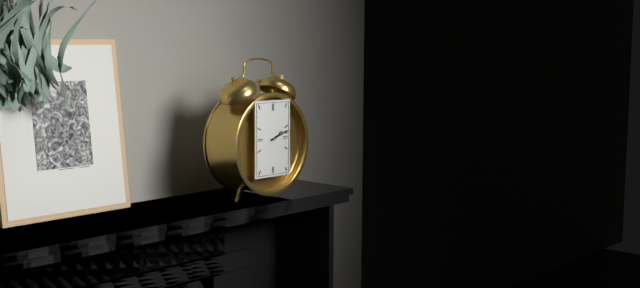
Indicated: 2 h 12 min
